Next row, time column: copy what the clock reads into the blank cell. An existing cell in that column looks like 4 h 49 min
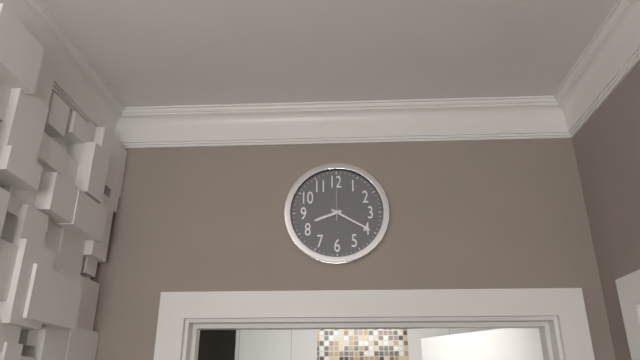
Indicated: 8 h 20 min
